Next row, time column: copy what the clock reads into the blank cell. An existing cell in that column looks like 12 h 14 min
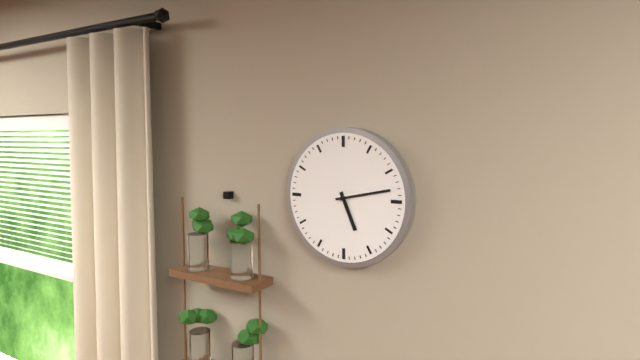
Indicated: 5 h 13 min
